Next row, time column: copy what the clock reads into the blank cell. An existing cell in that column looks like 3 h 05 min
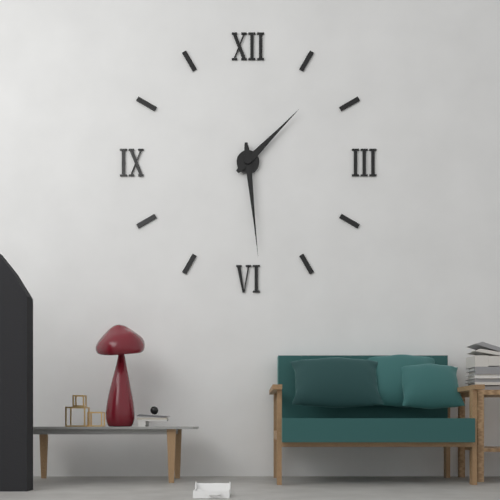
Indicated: 1 h 29 min
